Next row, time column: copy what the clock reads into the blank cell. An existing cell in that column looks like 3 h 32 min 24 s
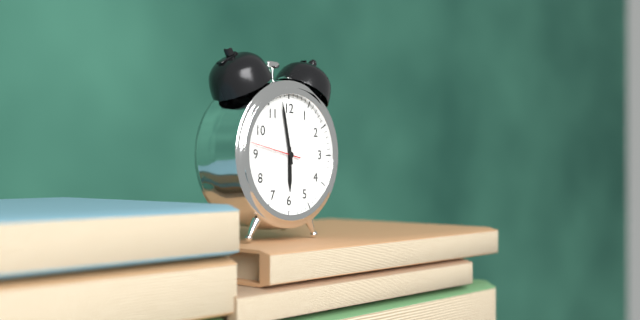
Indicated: 5 h 58 min 47 s
